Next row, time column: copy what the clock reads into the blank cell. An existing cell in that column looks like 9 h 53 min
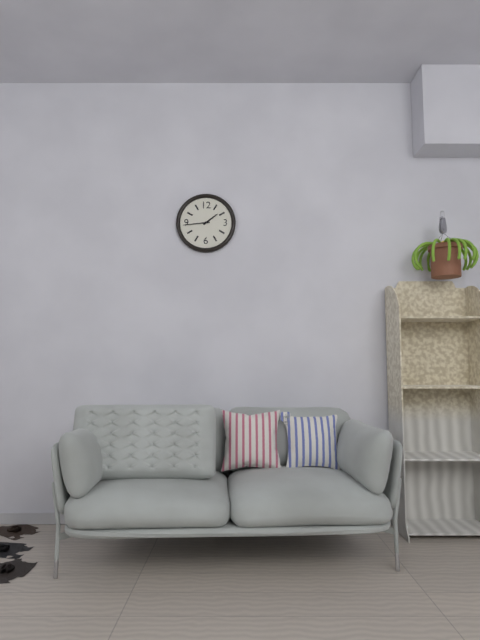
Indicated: 1 h 44 min
